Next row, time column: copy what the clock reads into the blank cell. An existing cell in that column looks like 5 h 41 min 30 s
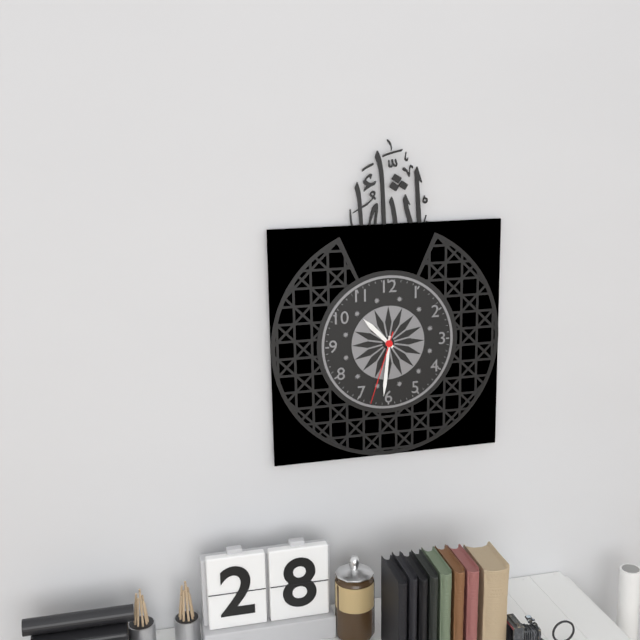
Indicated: 10 h 31 min 33 s
